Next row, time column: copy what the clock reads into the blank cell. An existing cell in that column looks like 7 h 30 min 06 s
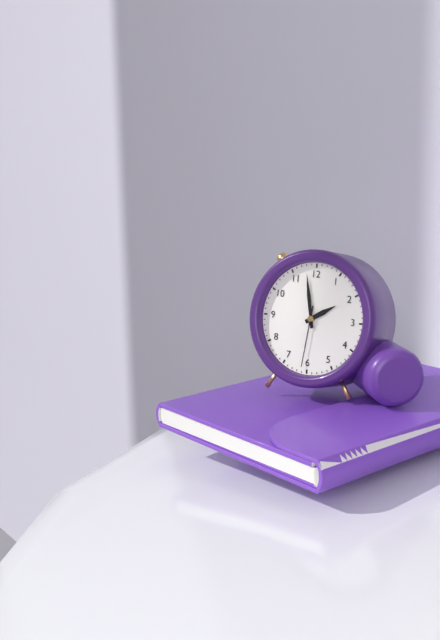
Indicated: 1 h 58 min 31 s
